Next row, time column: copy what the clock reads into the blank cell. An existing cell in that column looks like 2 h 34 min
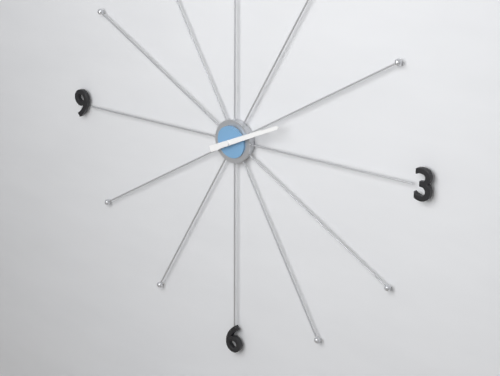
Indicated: 2 h 11 min
